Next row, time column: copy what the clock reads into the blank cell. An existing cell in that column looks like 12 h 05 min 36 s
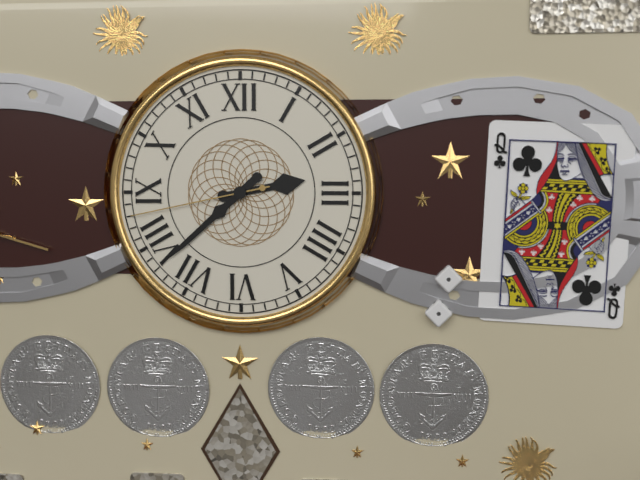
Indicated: 2 h 38 min 43 s
